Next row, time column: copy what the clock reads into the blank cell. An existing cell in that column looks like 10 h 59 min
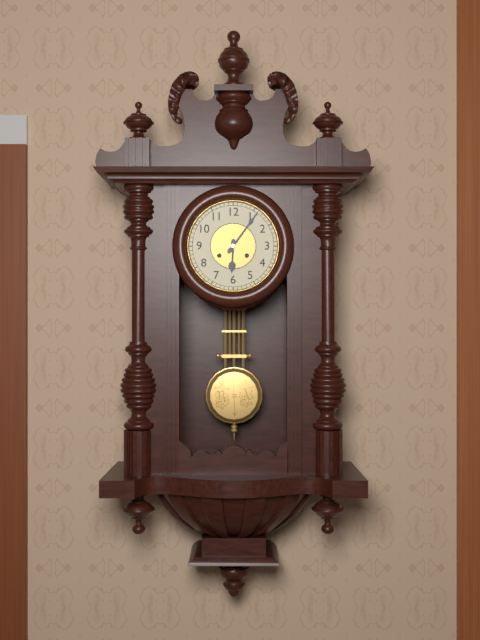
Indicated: 6 h 06 min
